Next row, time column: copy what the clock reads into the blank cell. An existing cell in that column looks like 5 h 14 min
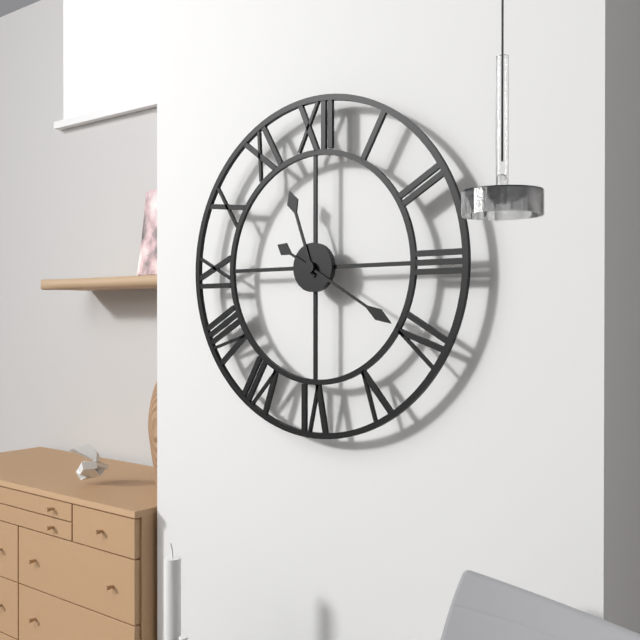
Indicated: 11 h 20 min
